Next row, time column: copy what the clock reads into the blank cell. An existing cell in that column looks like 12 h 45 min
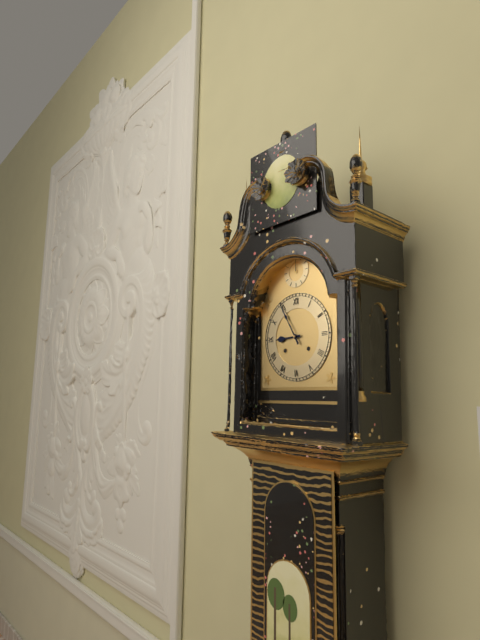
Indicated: 8 h 55 min
